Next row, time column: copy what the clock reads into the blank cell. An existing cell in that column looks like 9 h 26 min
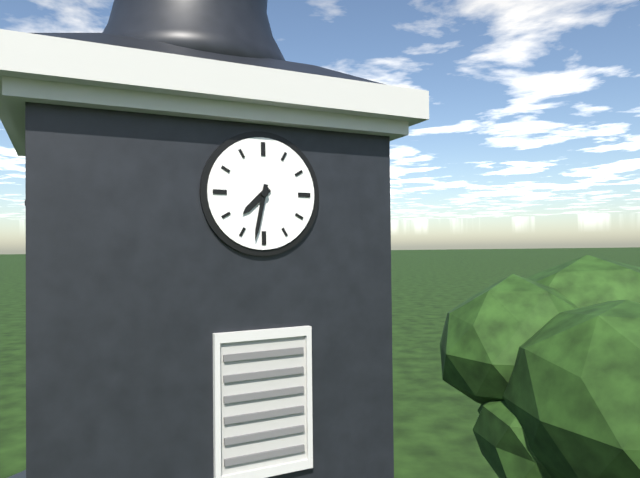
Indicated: 7 h 32 min
